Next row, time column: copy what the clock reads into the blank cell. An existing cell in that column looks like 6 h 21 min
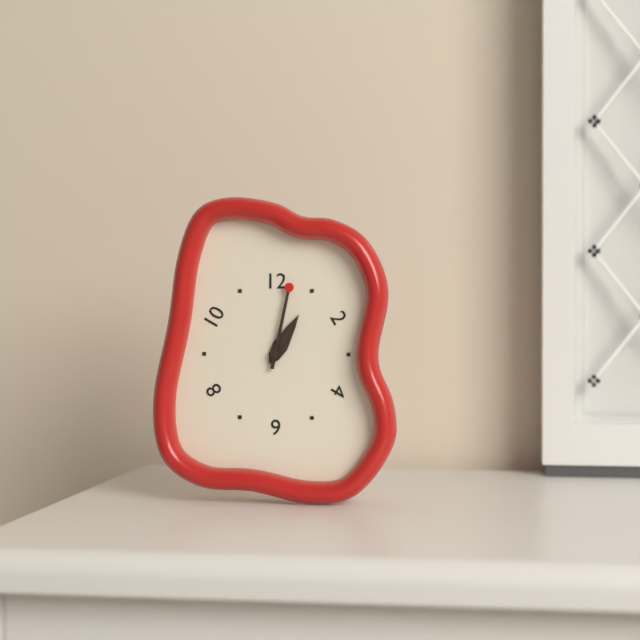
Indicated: 1 h 02 min
